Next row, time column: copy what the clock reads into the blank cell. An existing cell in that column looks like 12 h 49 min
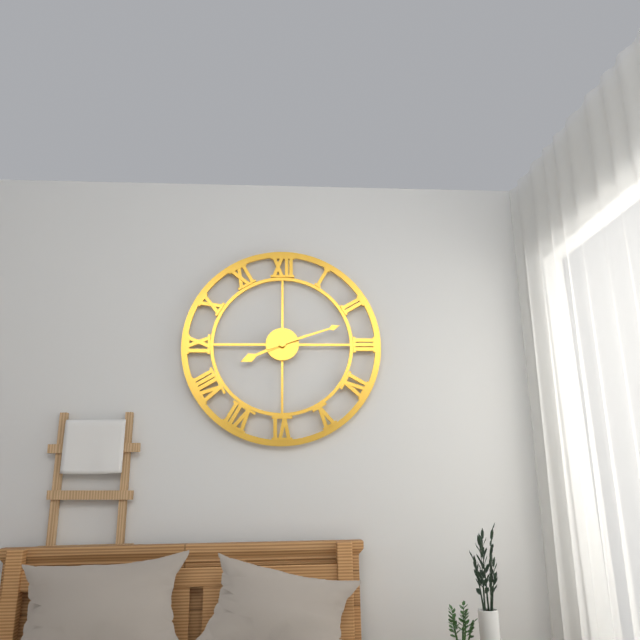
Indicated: 8 h 12 min
